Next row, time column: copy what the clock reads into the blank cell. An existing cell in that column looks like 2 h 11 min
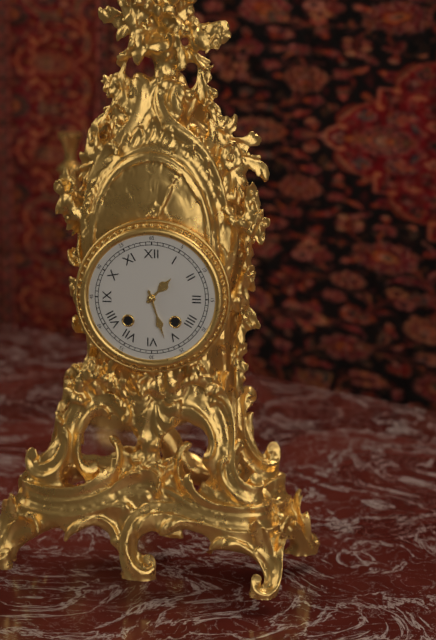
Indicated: 1 h 27 min
